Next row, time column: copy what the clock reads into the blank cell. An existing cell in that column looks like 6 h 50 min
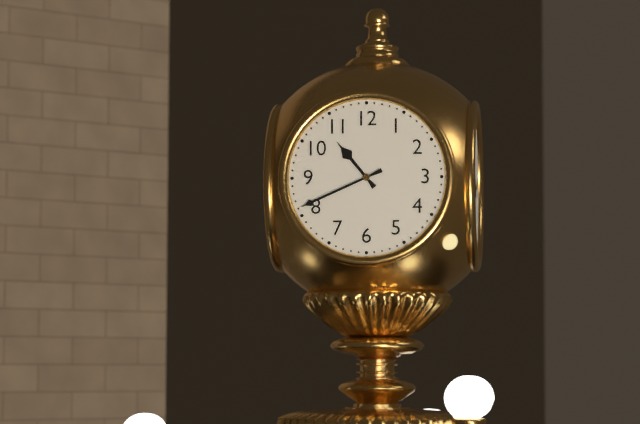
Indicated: 10 h 41 min
